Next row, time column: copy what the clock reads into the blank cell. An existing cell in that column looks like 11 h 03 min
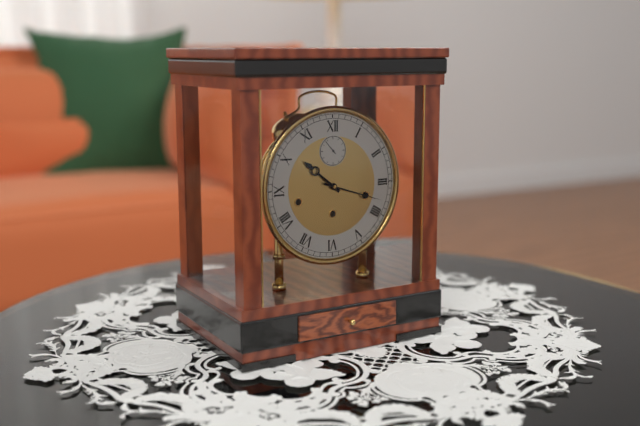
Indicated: 10 h 18 min
